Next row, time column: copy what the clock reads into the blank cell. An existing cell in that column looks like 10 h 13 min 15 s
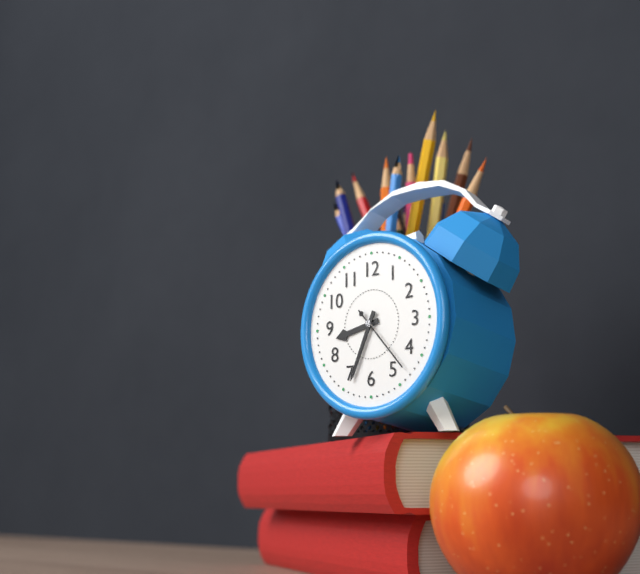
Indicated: 8 h 34 min 23 s
